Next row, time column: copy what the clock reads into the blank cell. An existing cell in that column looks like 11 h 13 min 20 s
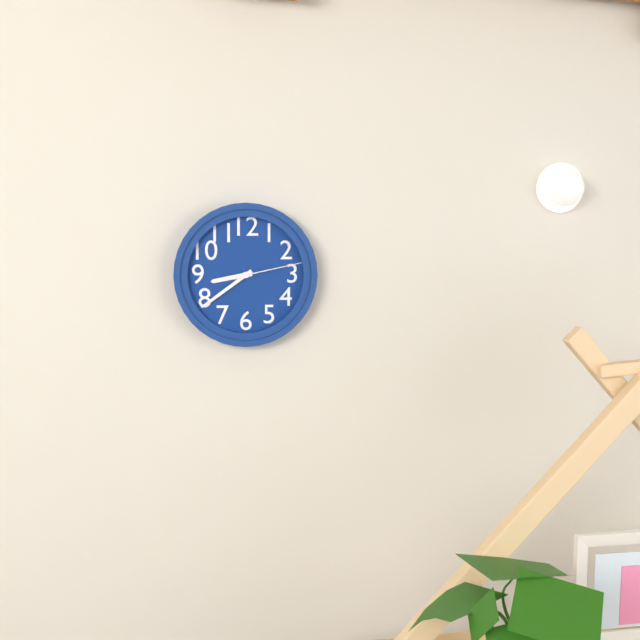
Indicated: 8 h 39 min 13 s
